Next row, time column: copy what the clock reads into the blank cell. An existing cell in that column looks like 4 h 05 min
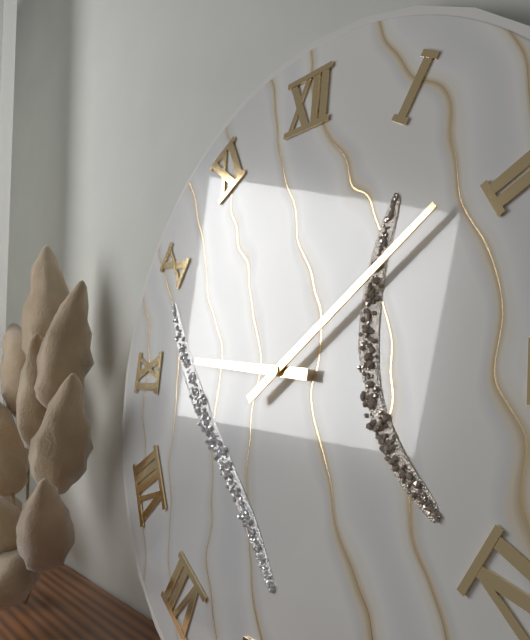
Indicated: 9 h 09 min
